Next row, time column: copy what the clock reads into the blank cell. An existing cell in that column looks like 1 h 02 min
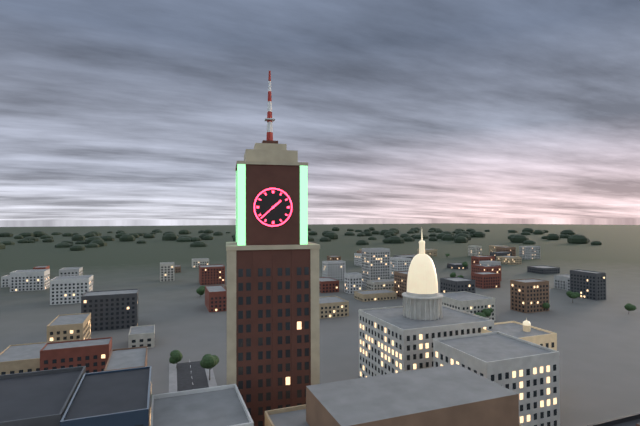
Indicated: 1 h 38 min
